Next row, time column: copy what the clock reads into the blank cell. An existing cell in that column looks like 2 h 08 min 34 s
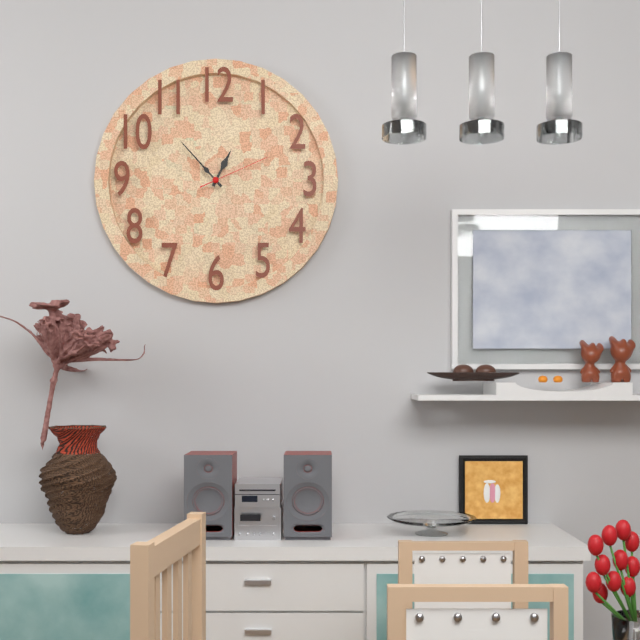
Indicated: 12 h 53 min 11 s
